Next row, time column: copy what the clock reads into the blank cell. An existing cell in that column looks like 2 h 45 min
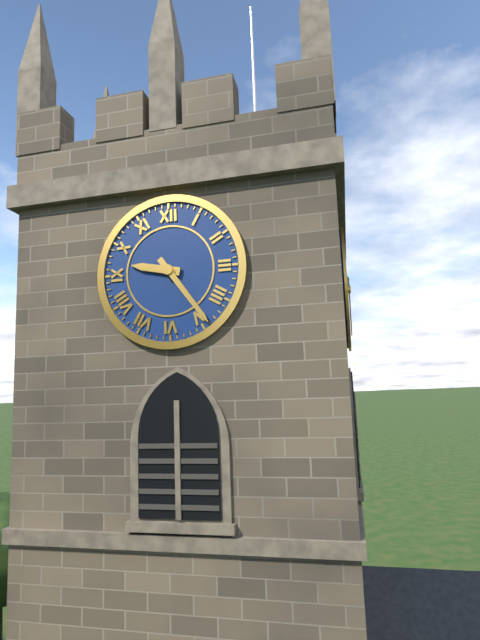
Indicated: 9 h 24 min
